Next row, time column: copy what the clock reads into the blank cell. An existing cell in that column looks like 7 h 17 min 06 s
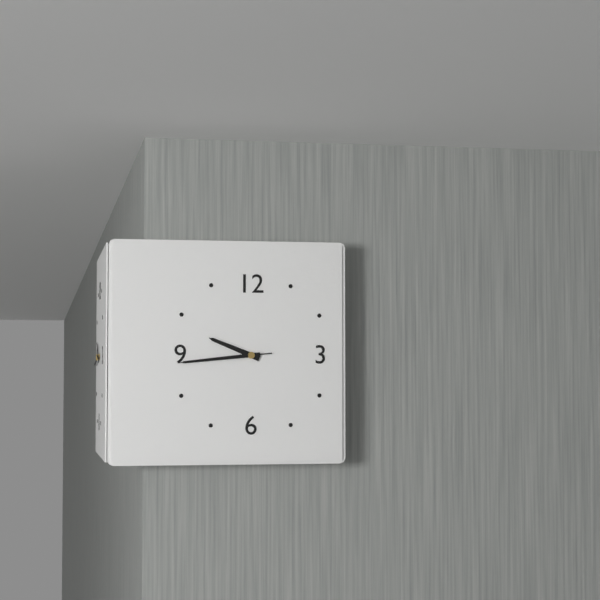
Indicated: 9 h 44 min 44 s
